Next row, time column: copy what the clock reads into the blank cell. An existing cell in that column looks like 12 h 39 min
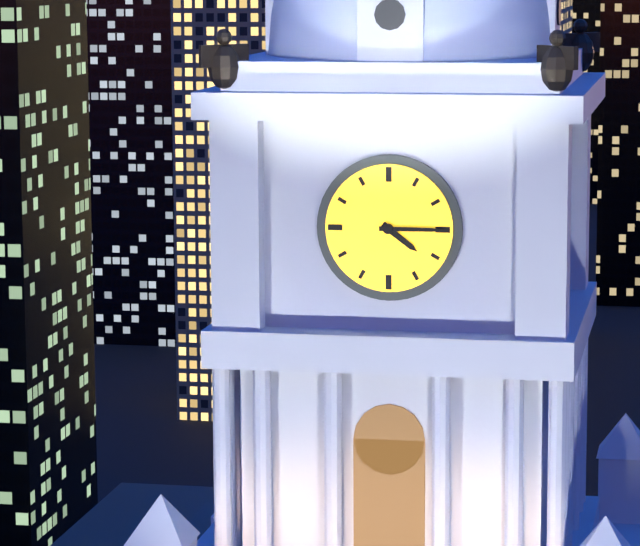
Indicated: 4 h 15 min
